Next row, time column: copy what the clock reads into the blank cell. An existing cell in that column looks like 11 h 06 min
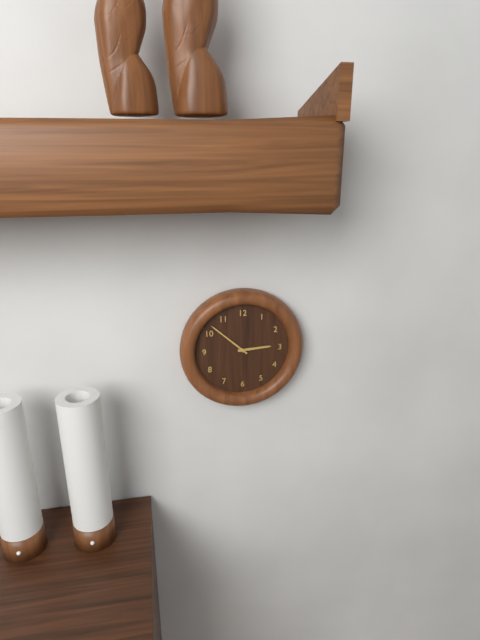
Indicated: 2 h 52 min
